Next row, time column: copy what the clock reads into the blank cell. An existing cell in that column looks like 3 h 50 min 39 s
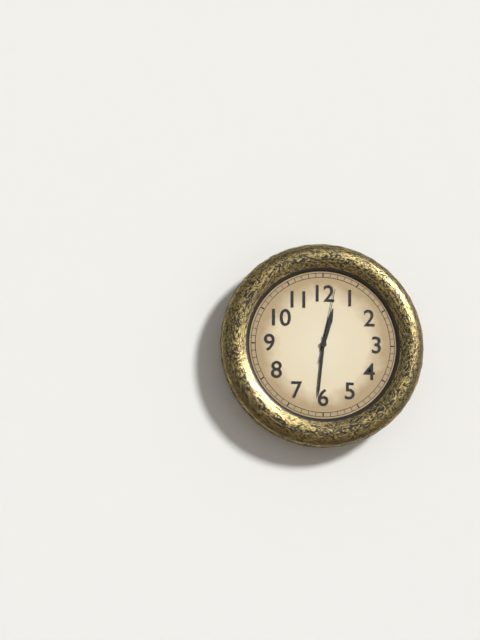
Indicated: 12 h 31 min 02 s
